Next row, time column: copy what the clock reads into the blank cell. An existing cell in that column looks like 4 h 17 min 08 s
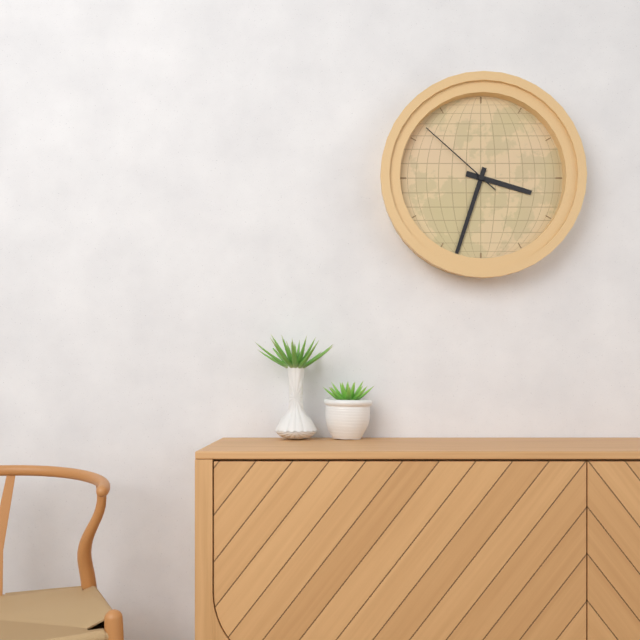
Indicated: 3 h 33 min 52 s
